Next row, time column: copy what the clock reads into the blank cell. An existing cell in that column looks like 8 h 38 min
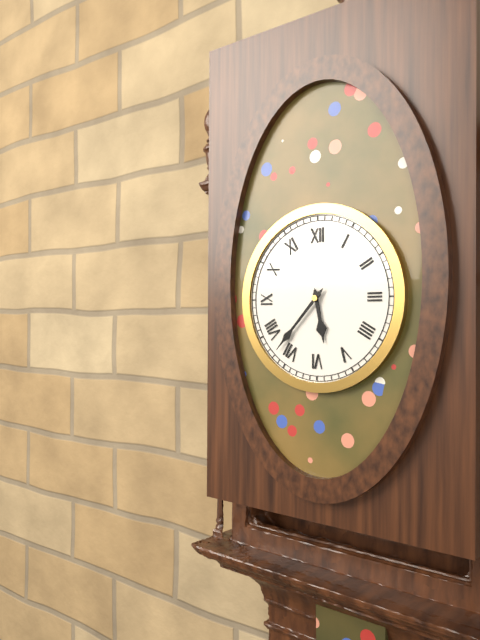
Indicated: 5 h 37 min
